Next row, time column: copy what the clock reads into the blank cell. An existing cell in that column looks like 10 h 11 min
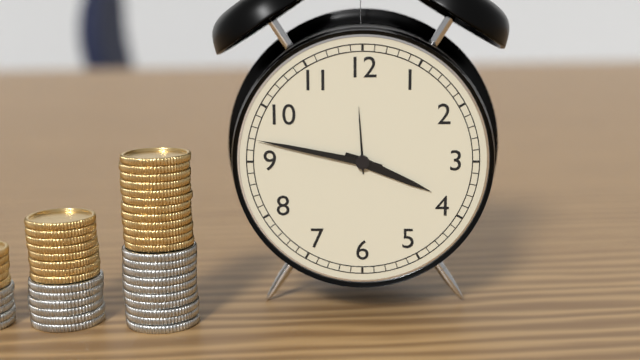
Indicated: 3 h 47 min
